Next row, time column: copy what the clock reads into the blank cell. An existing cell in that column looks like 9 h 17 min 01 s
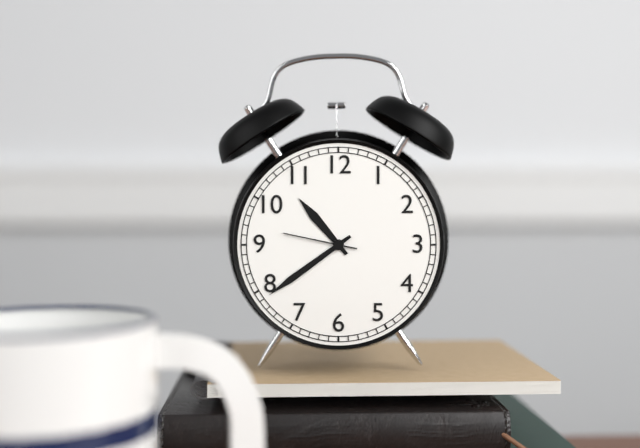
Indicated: 10 h 39 min 47 s
